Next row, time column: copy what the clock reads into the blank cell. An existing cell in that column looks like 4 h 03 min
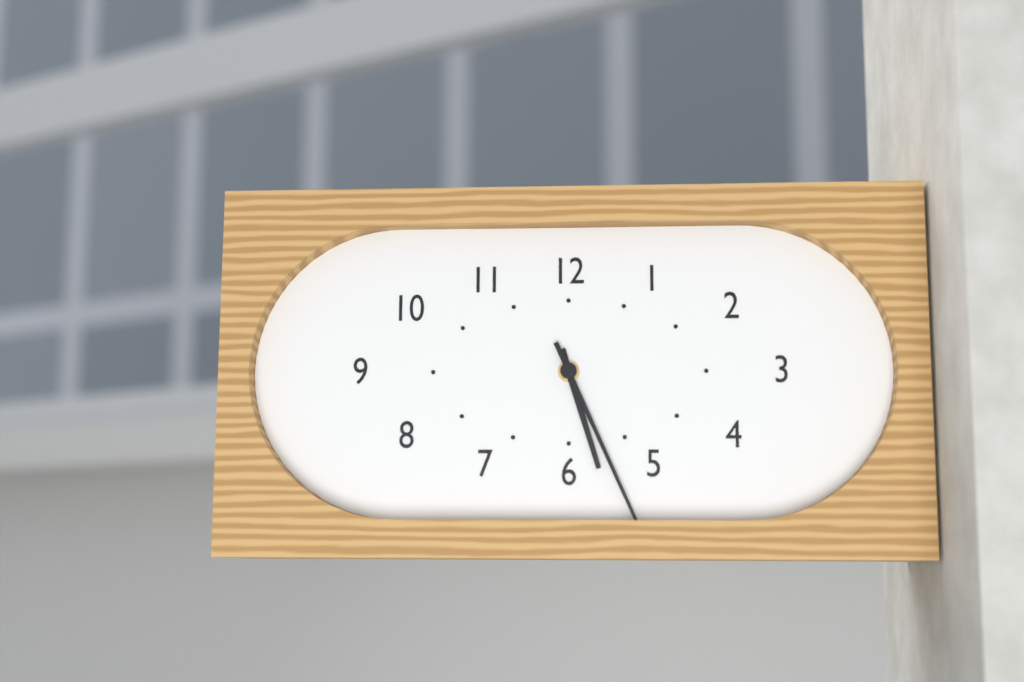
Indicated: 5 h 26 min
